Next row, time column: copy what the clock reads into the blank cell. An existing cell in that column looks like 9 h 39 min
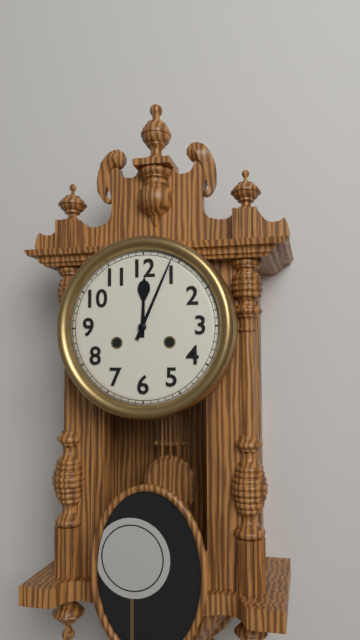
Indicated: 12 h 04 min
